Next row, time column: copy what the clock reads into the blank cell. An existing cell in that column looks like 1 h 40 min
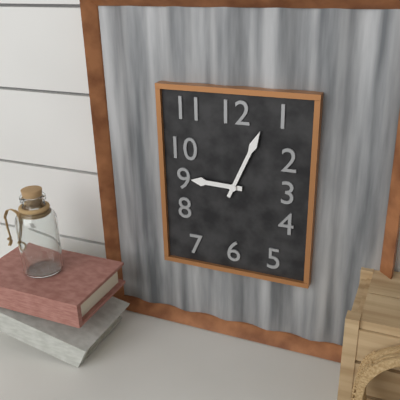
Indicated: 9 h 04 min
